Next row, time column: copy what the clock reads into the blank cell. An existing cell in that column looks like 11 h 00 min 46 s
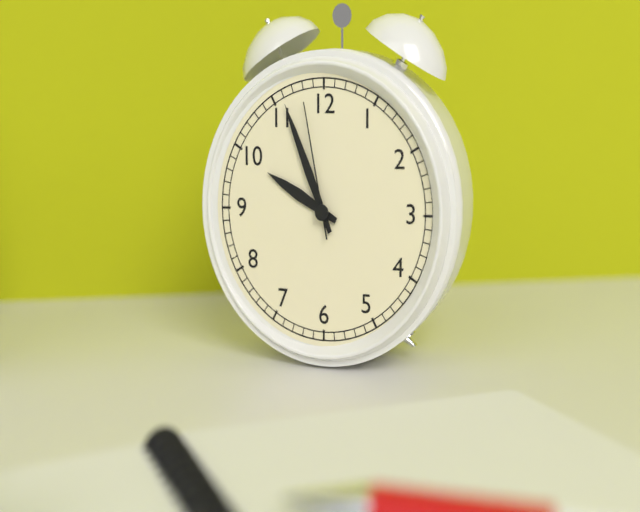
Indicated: 9 h 56 min 58 s
